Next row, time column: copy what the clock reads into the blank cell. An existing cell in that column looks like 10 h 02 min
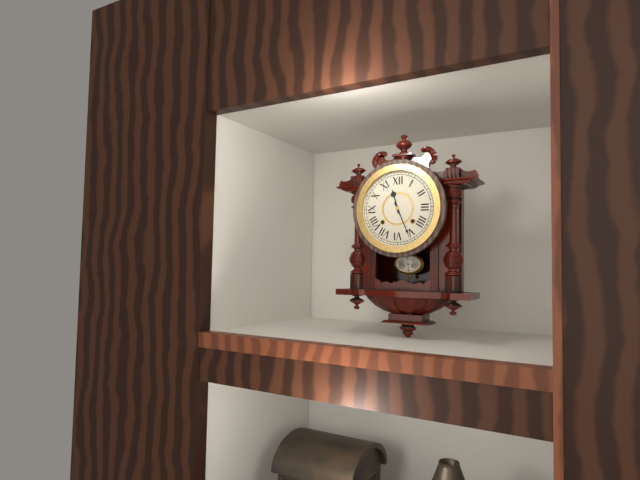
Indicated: 11 h 26 min
